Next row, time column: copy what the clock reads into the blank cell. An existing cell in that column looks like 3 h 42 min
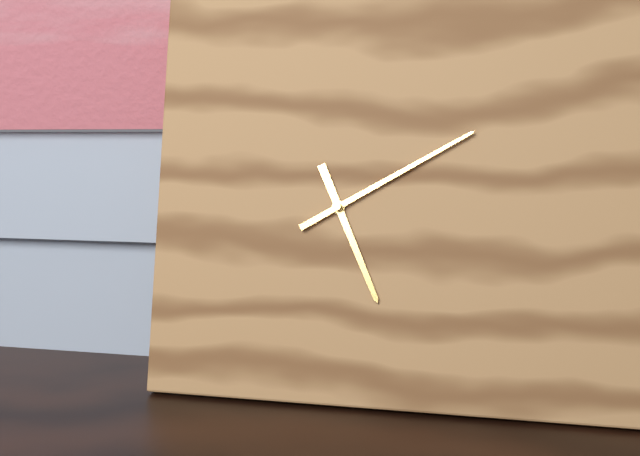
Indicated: 5 h 10 min
